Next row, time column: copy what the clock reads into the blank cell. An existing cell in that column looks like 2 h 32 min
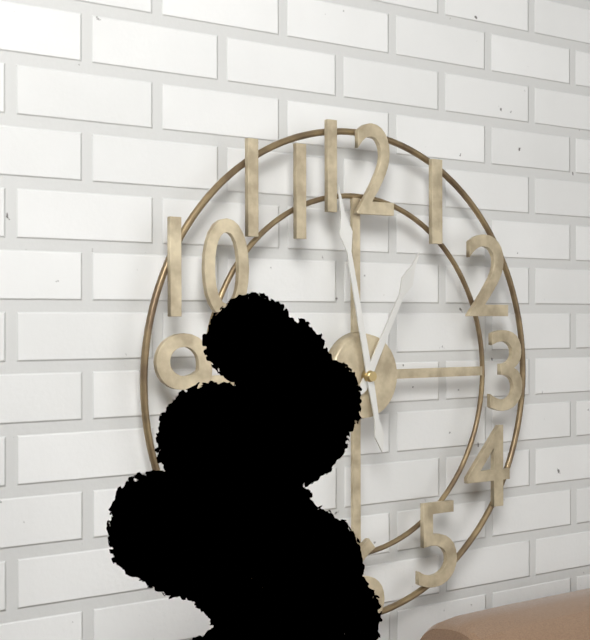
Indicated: 12 h 58 min
